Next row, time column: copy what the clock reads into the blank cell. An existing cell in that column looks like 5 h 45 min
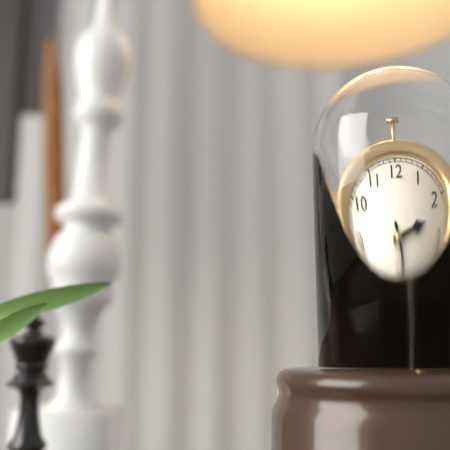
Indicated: 2 h 27 min
